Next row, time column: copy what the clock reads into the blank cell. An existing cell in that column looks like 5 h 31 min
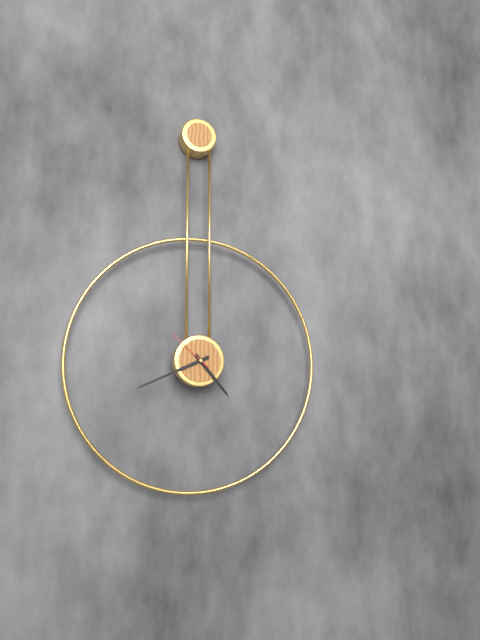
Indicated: 4 h 41 min
